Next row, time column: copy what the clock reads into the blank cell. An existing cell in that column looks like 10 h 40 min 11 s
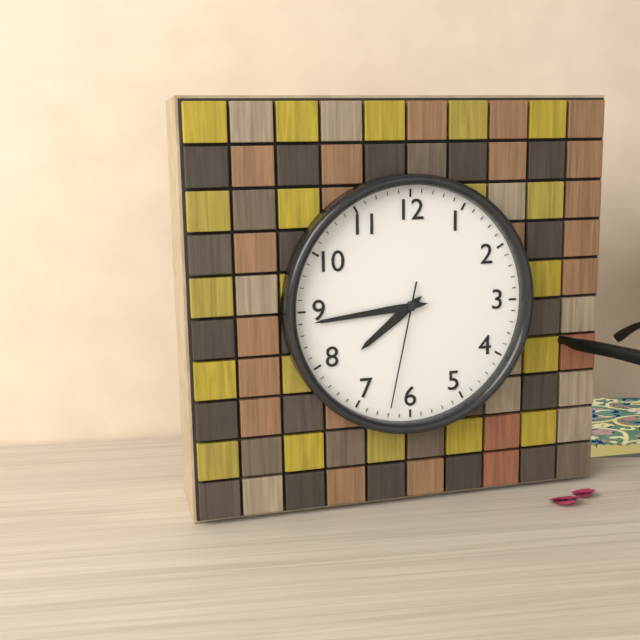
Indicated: 7 h 44 min 32 s
